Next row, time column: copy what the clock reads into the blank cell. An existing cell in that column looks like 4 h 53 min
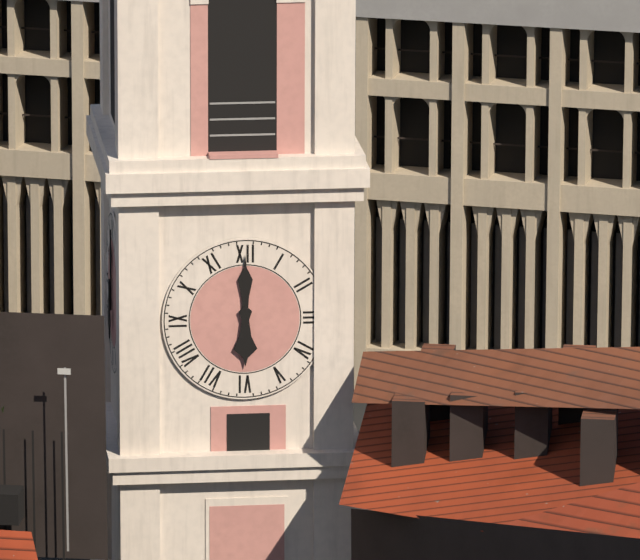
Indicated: 6 h 00 min
